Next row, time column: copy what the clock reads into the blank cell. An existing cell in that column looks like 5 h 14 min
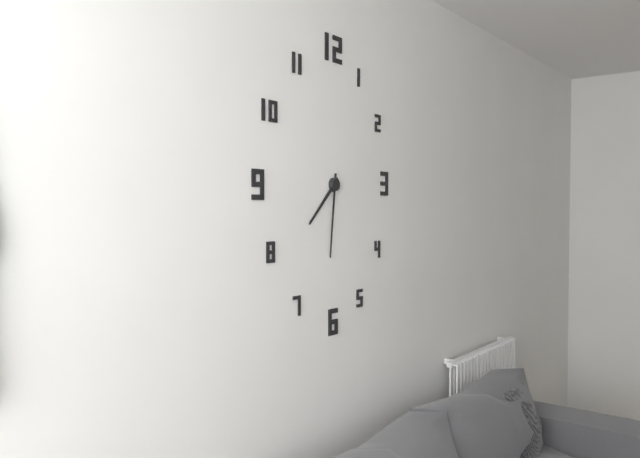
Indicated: 7 h 31 min
